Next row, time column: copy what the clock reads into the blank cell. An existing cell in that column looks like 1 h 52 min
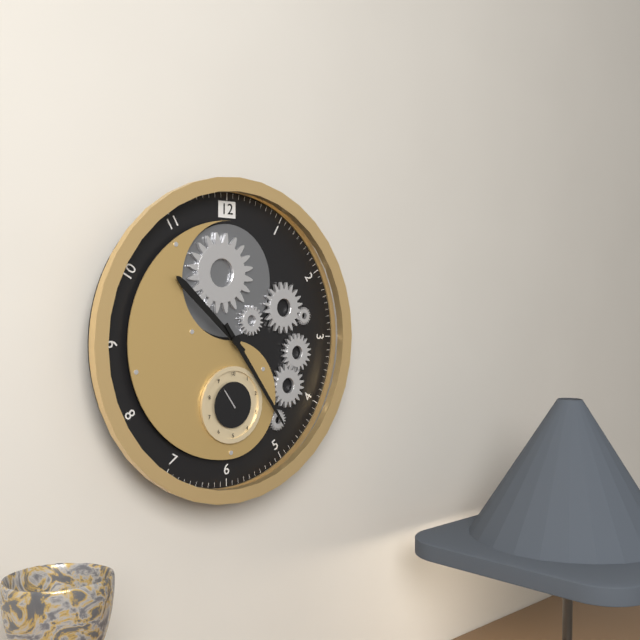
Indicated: 10 h 24 min
